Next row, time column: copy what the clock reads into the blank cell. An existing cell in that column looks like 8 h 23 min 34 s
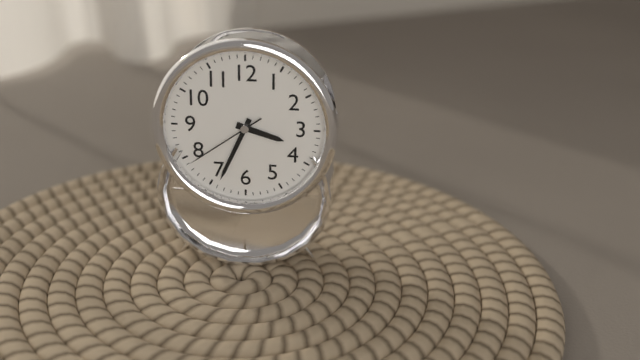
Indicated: 3 h 34 min 39 s
